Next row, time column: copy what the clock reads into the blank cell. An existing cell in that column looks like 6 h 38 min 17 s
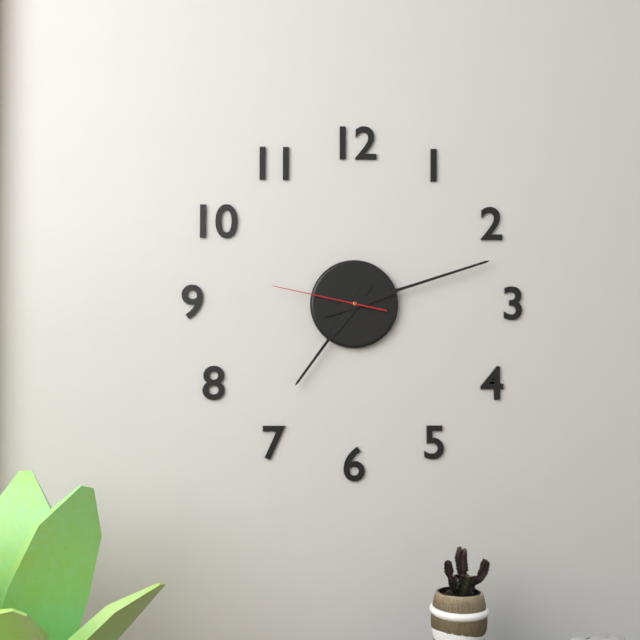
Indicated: 7 h 12 min 47 s
